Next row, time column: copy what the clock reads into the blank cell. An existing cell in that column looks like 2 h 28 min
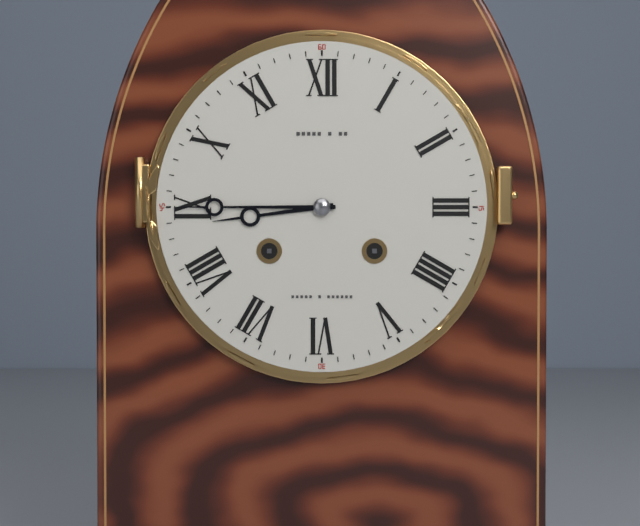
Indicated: 8 h 45 min
